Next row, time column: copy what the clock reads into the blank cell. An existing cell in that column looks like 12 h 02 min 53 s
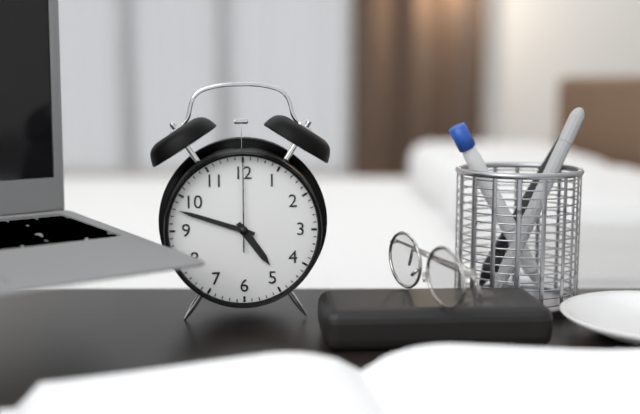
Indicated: 4 h 48 min 00 s
